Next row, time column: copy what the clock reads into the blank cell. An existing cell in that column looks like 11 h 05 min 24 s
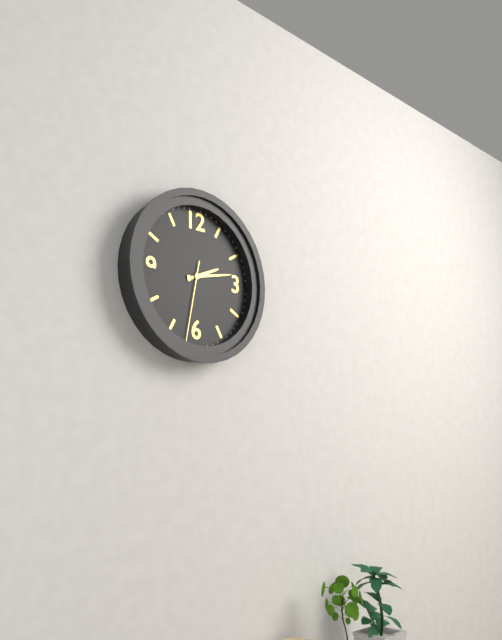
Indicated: 2 h 13 min 32 s
